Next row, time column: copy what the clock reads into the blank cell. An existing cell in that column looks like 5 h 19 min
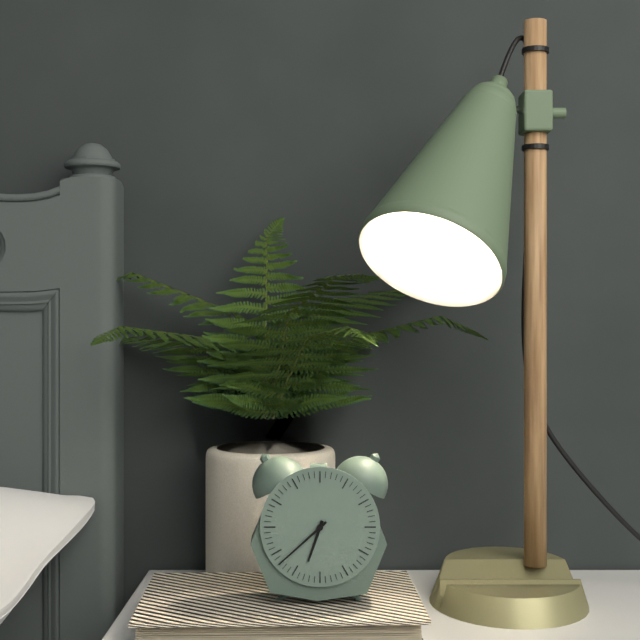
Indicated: 6 h 38 min
